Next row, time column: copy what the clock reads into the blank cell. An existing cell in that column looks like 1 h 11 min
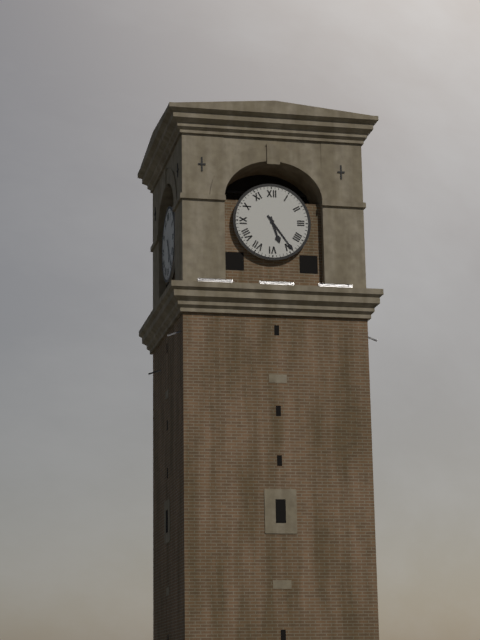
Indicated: 5 h 24 min
